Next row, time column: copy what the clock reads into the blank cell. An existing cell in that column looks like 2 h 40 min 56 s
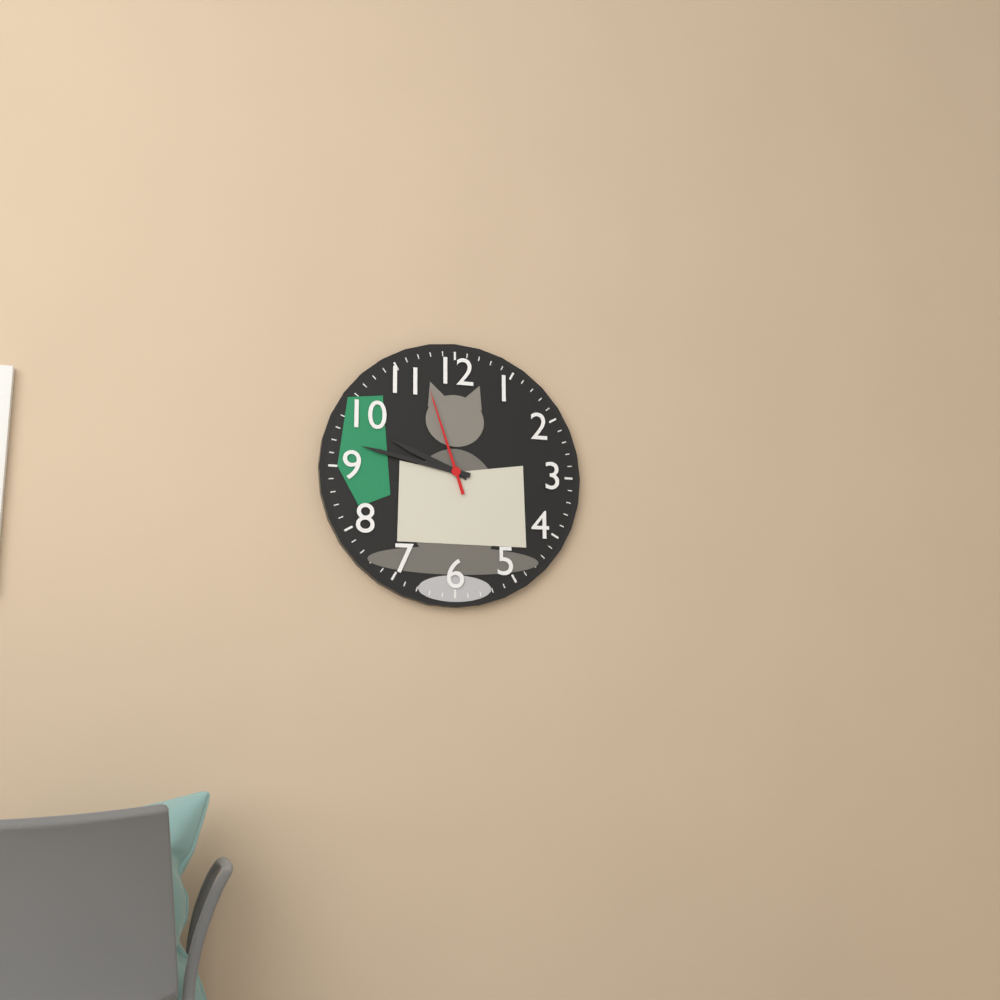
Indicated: 9 h 47 min 57 s
